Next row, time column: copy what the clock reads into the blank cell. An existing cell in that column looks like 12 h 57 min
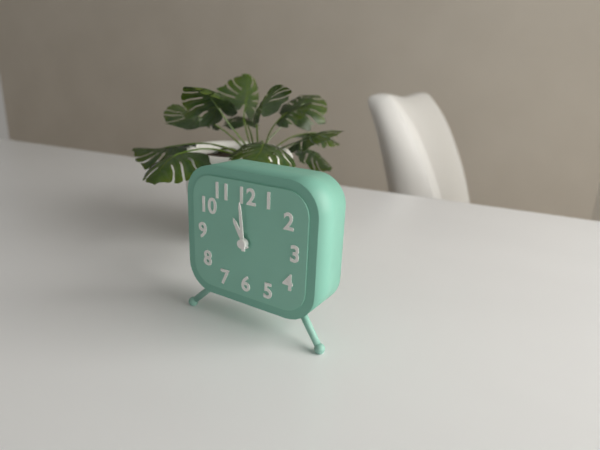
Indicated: 10 h 59 min
